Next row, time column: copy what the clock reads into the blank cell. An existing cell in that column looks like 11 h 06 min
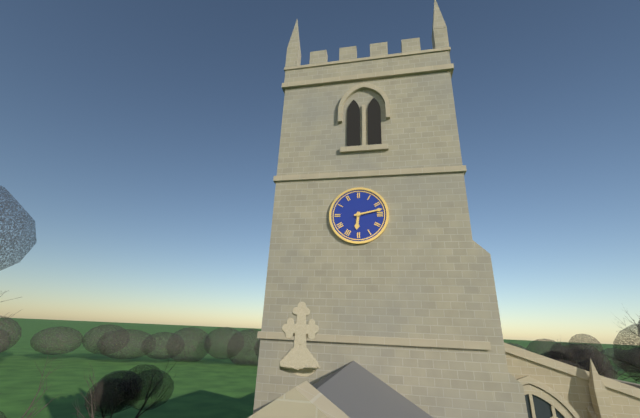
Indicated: 6 h 13 min
